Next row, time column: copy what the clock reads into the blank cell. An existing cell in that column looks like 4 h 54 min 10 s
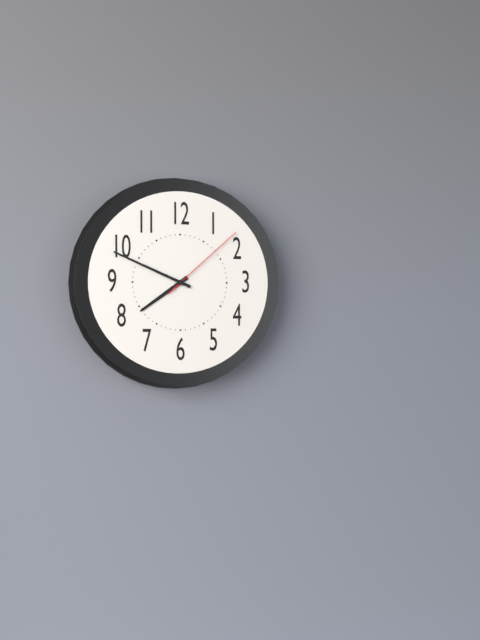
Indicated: 7 h 49 min 08 s
